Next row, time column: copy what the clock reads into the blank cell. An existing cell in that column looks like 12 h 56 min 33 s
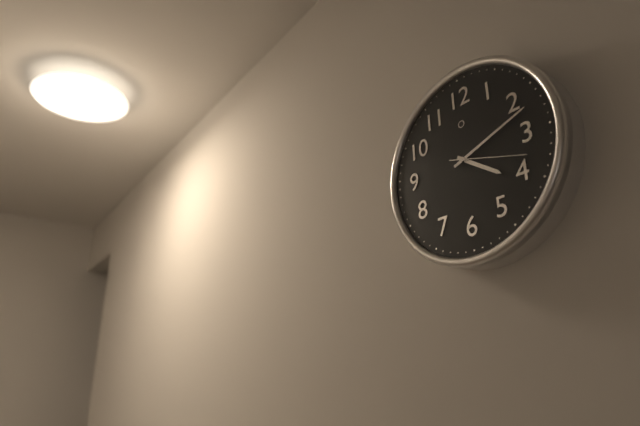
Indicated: 4 h 12 min 18 s
